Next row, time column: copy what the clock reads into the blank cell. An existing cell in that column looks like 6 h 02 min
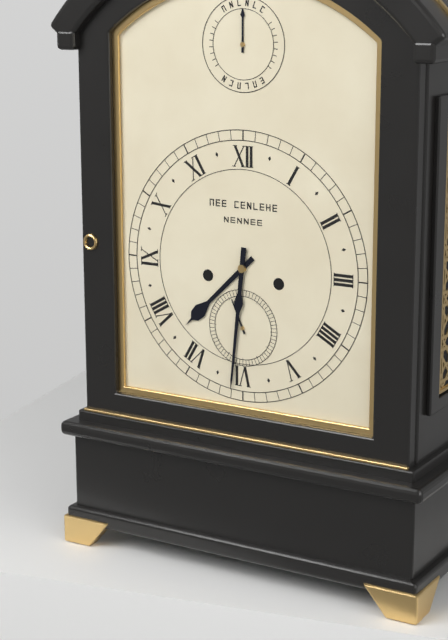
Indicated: 7 h 31 min
